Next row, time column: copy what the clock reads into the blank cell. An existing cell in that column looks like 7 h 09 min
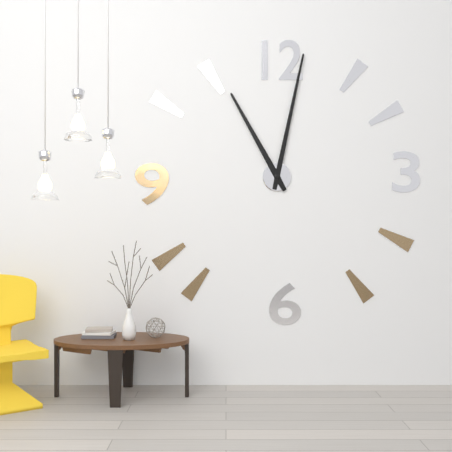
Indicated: 11 h 02 min
